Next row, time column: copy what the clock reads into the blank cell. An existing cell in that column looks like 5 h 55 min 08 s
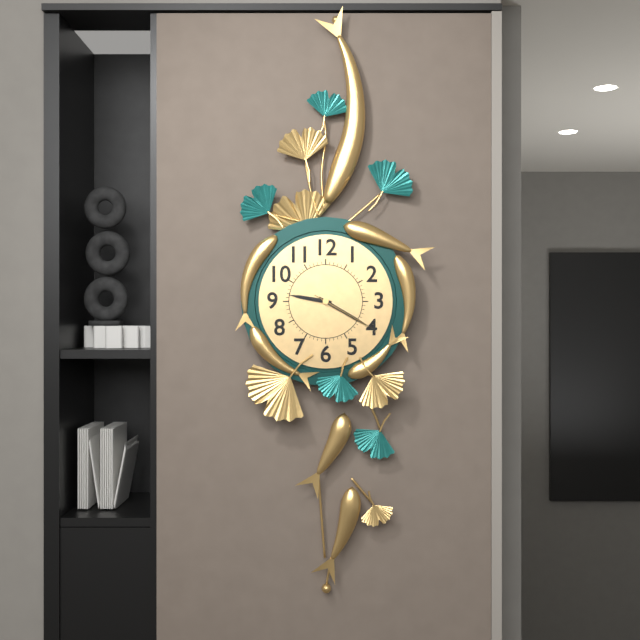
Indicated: 9 h 20 min 20 s
